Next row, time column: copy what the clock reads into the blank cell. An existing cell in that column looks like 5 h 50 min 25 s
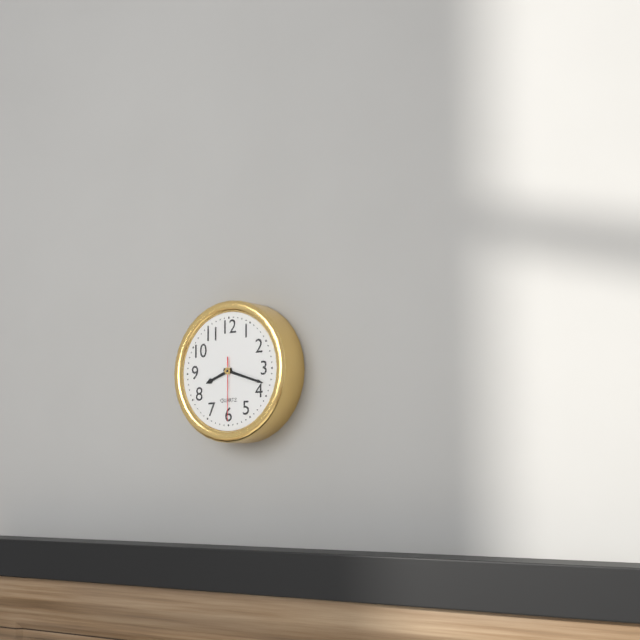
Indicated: 8 h 18 min 30 s
